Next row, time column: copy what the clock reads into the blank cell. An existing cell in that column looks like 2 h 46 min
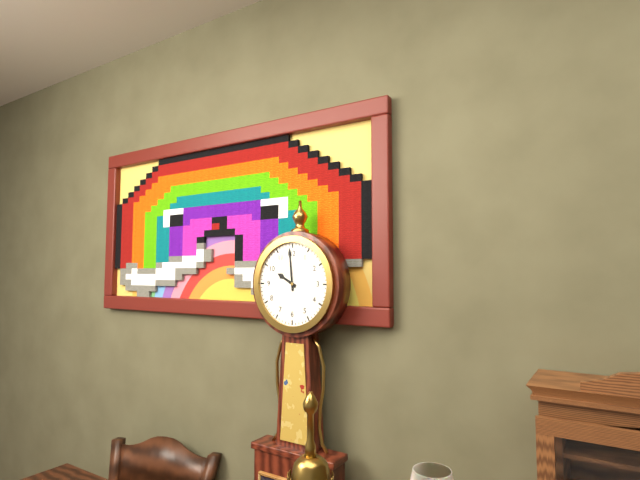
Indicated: 9 h 59 min
